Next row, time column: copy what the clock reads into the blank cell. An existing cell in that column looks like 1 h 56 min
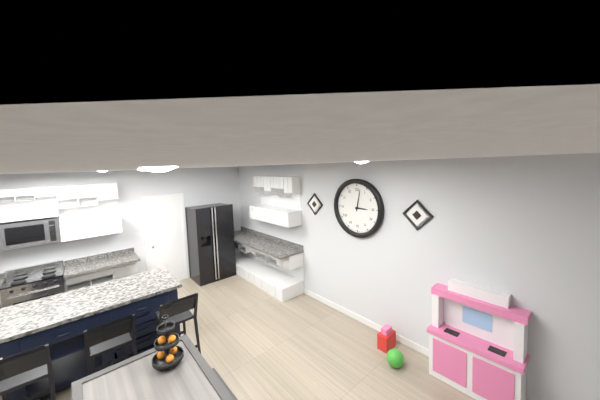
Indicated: 3 h 02 min
